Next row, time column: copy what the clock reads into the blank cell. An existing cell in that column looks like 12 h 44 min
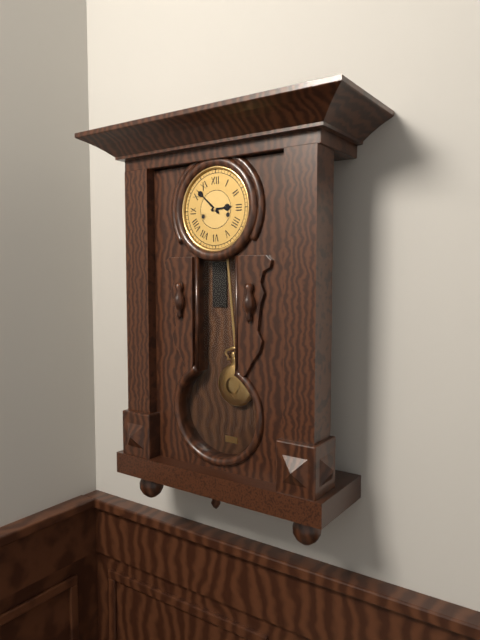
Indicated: 2 h 52 min
